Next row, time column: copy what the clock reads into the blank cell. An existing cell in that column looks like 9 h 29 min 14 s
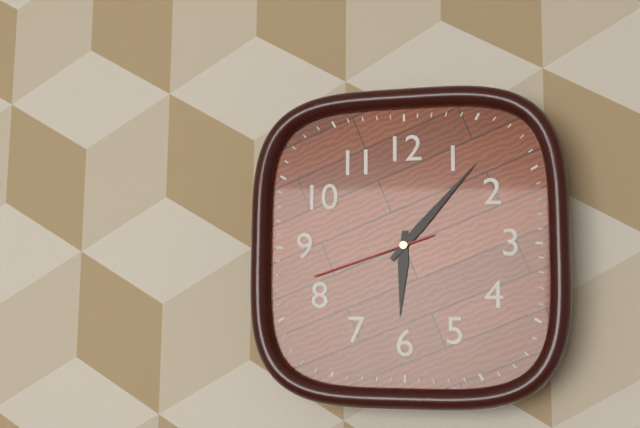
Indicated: 6 h 07 min 42 s
